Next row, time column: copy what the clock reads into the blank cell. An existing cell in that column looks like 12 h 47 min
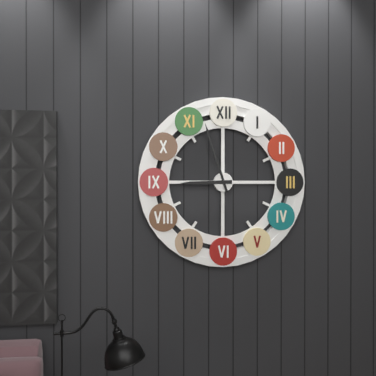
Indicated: 8 h 57 min
